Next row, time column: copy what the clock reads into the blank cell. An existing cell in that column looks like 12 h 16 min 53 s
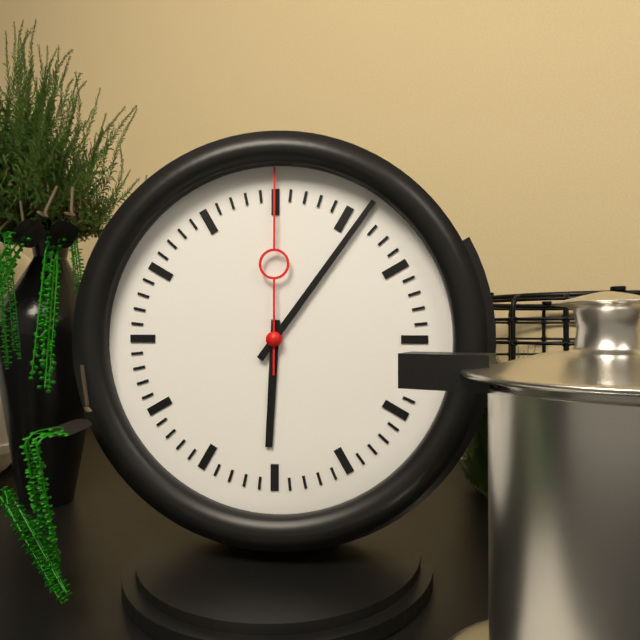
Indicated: 6 h 06 min 00 s
